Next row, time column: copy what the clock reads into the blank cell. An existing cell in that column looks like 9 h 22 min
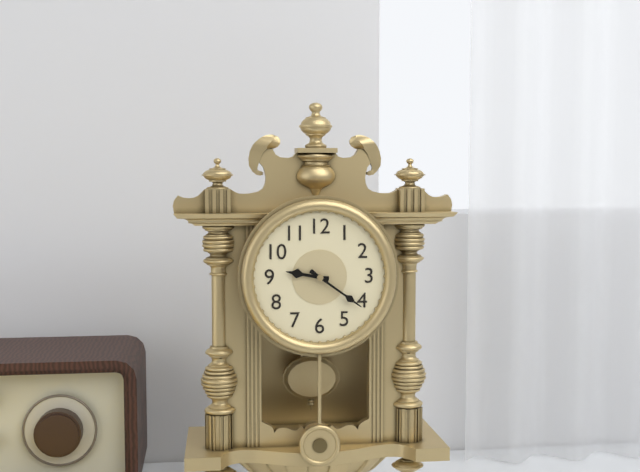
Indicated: 9 h 21 min
